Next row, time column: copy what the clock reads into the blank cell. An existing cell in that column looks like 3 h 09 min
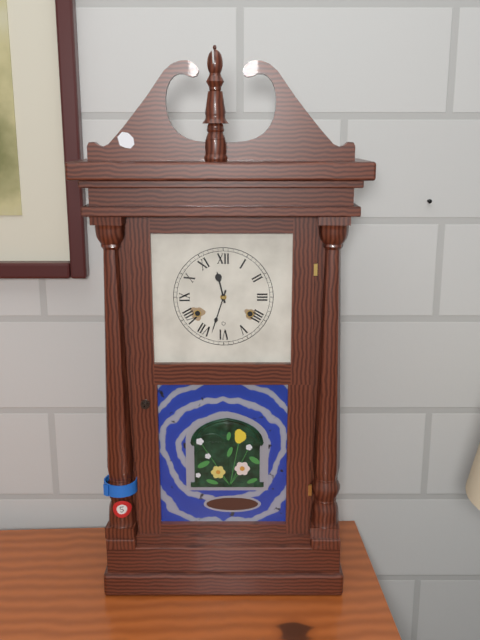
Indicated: 11 h 33 min
